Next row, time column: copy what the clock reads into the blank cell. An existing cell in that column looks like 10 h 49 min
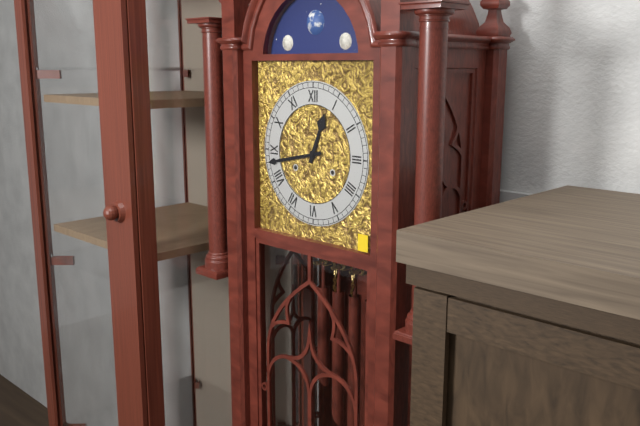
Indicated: 12 h 43 min
